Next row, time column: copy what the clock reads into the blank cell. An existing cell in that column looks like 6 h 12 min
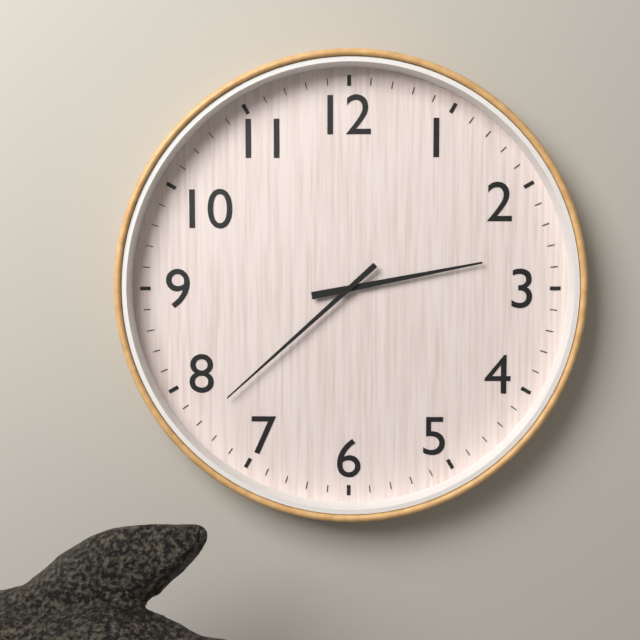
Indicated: 2 h 38 min
